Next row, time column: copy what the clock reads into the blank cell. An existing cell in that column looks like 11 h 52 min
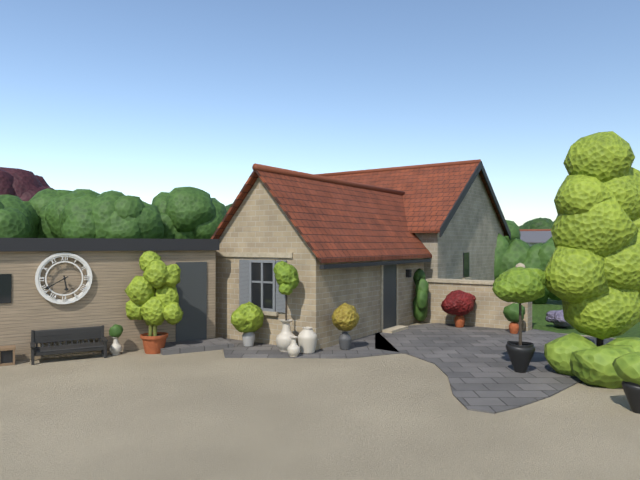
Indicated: 5 h 40 min
